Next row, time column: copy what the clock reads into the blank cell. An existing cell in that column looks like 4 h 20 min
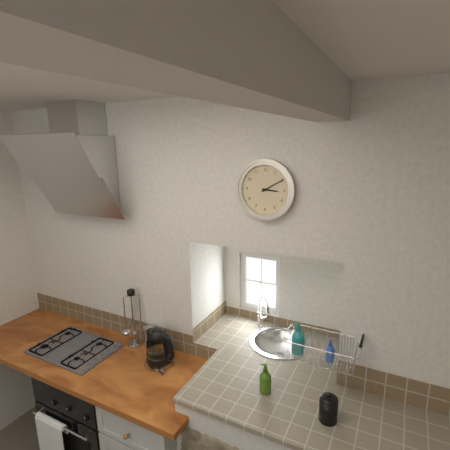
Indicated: 3 h 10 min
